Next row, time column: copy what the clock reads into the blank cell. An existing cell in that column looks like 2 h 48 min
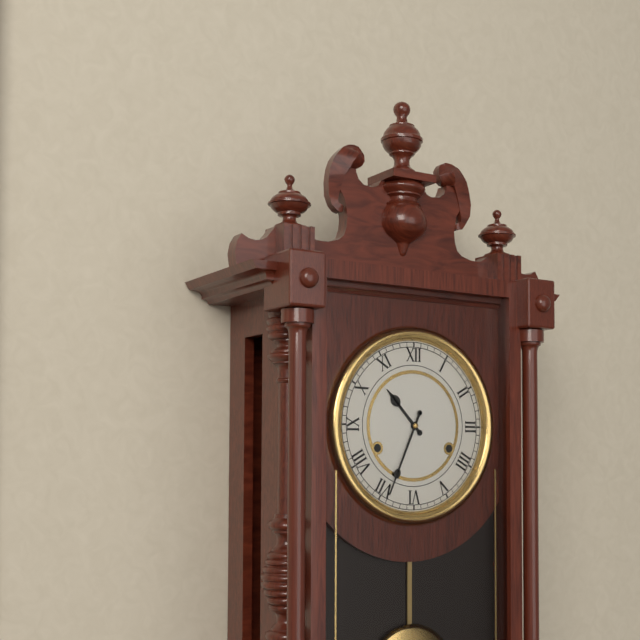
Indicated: 10 h 34 min
